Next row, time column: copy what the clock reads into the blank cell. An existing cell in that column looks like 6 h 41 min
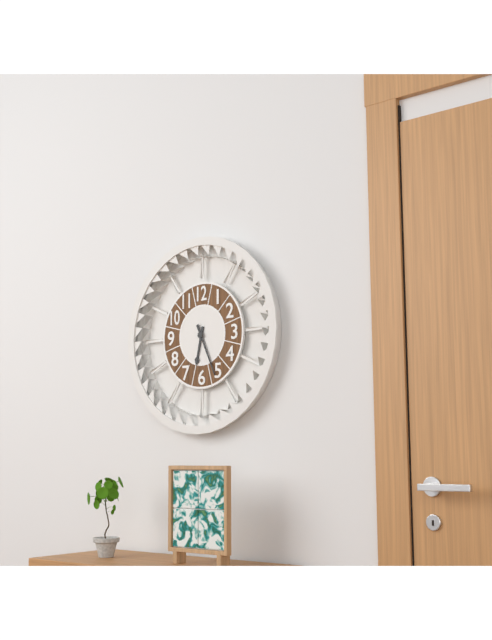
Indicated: 6 h 26 min
